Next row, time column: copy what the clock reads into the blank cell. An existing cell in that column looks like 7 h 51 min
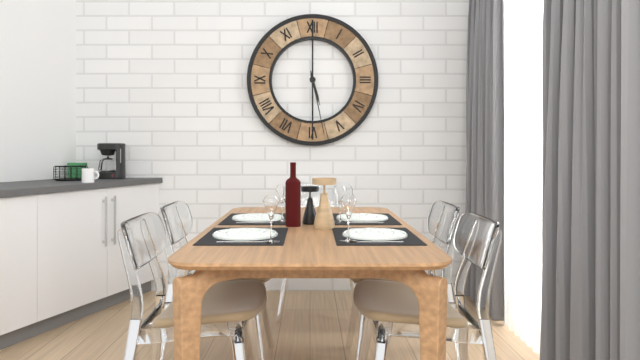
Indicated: 5 h 28 min
